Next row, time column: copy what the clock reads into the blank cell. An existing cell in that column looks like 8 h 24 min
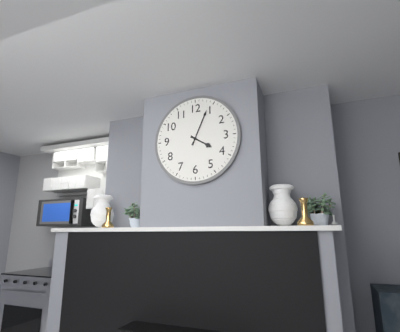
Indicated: 4 h 04 min
